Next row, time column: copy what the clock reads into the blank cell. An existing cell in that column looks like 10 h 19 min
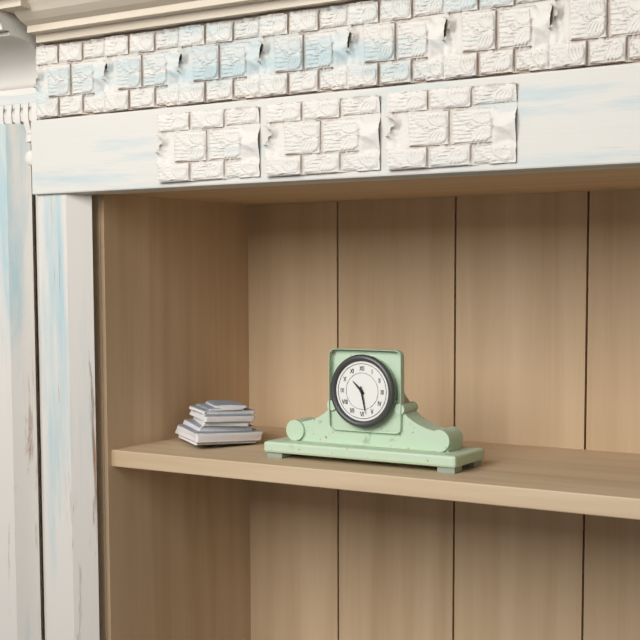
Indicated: 10 h 28 min
